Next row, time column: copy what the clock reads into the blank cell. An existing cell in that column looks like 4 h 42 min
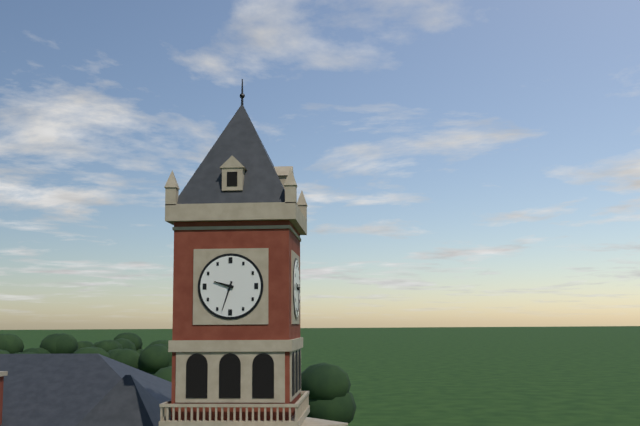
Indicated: 9 h 33 min
